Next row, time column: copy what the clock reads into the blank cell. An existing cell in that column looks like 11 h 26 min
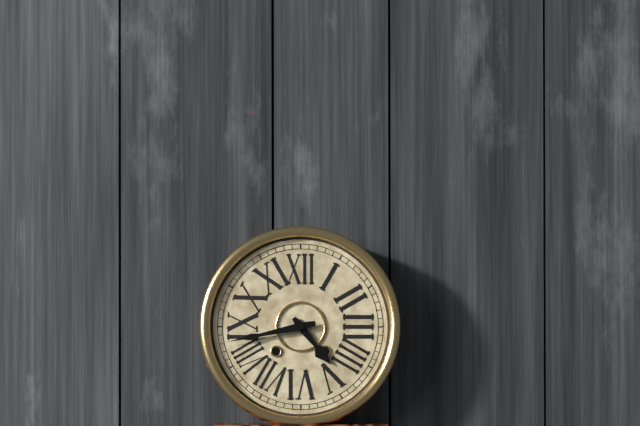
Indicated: 4 h 43 min
